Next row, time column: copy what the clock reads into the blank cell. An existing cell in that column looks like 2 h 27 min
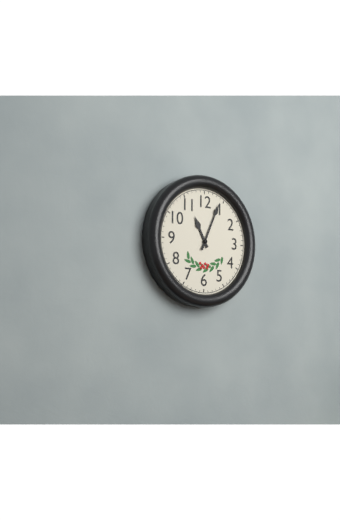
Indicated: 11 h 04 min
